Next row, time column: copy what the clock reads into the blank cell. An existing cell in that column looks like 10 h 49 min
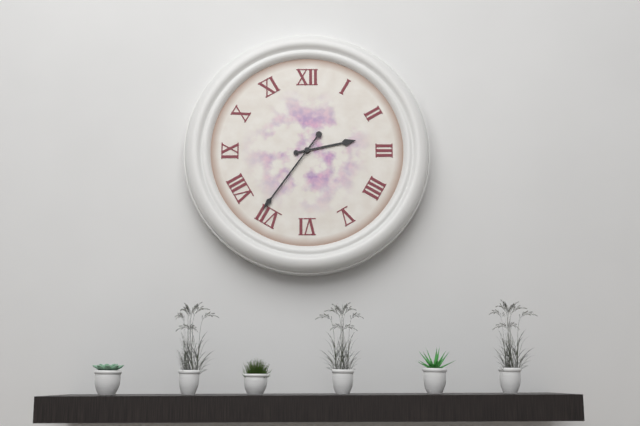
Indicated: 2 h 36 min
